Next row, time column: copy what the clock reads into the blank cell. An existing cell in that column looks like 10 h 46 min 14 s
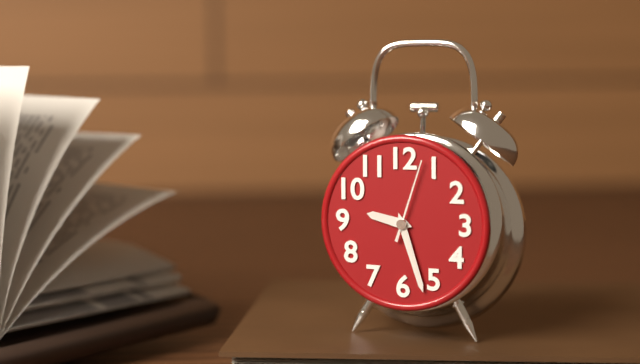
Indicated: 9 h 27 min 03 s
